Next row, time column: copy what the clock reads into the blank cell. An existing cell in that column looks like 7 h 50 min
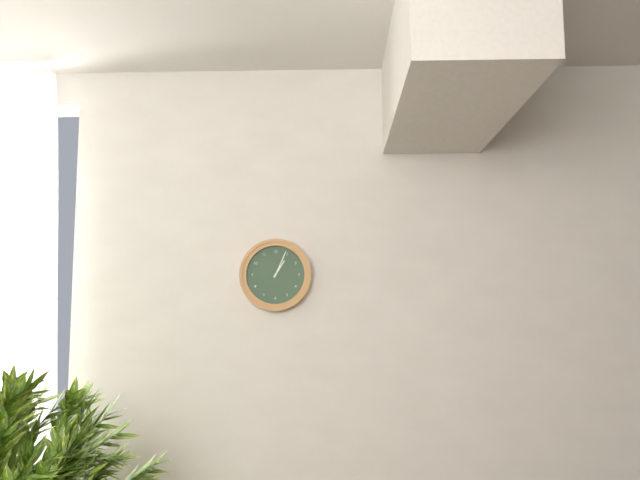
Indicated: 1 h 04 min
